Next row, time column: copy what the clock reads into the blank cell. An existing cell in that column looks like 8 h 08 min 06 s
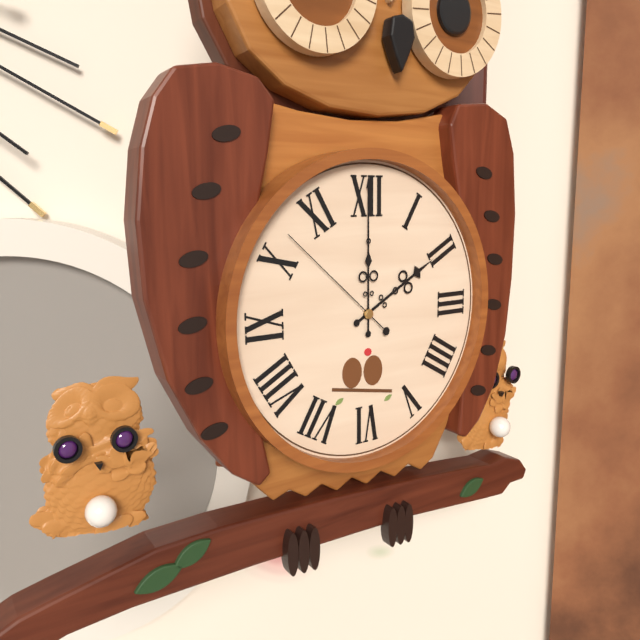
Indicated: 2 h 00 min 52 s
